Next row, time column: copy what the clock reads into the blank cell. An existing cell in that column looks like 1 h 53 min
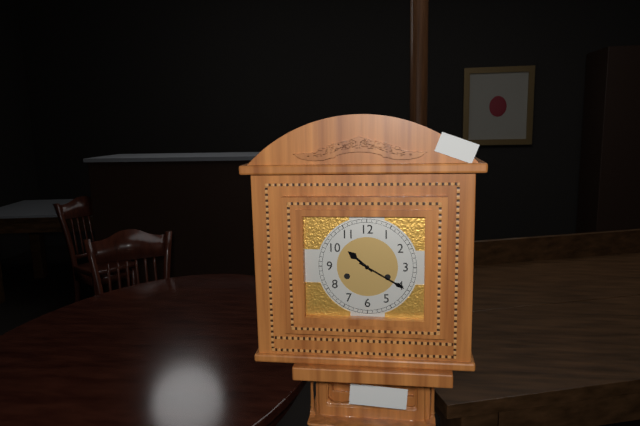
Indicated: 10 h 20 min
